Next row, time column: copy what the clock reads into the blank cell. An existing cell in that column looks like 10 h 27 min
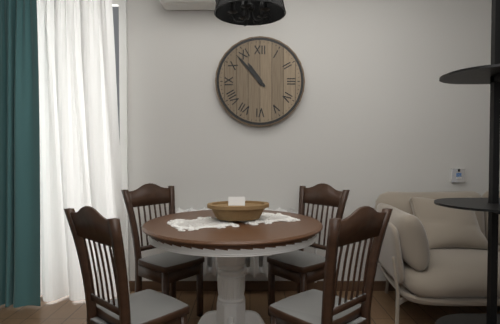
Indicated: 10 h 53 min
